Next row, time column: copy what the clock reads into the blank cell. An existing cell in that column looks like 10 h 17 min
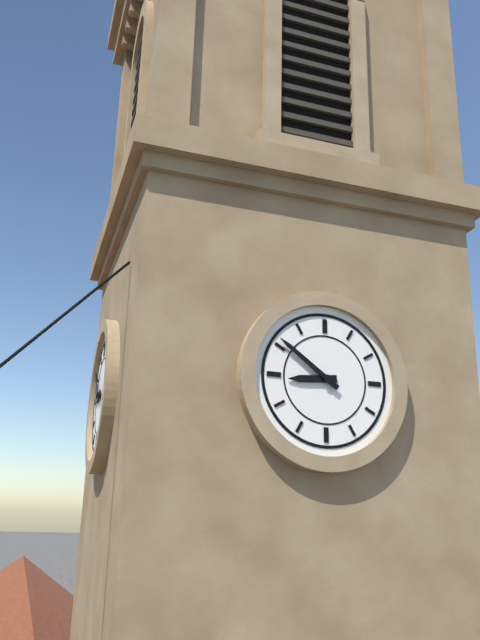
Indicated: 8 h 51 min
